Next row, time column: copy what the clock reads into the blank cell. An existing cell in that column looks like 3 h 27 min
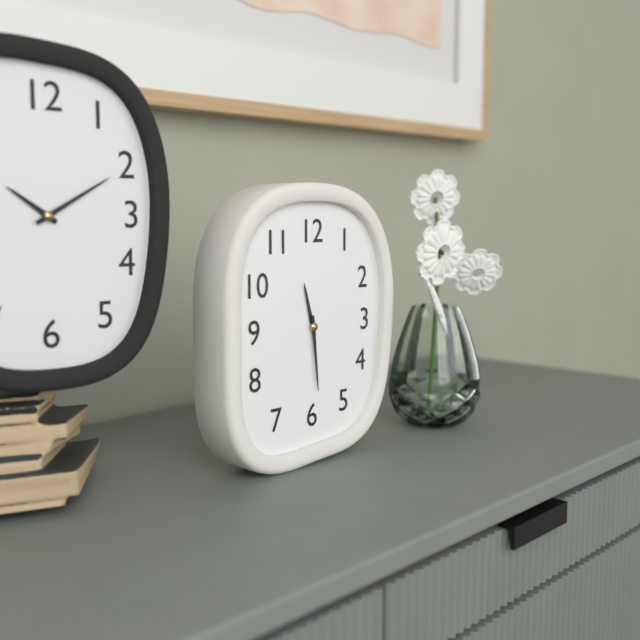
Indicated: 11 h 29 min
